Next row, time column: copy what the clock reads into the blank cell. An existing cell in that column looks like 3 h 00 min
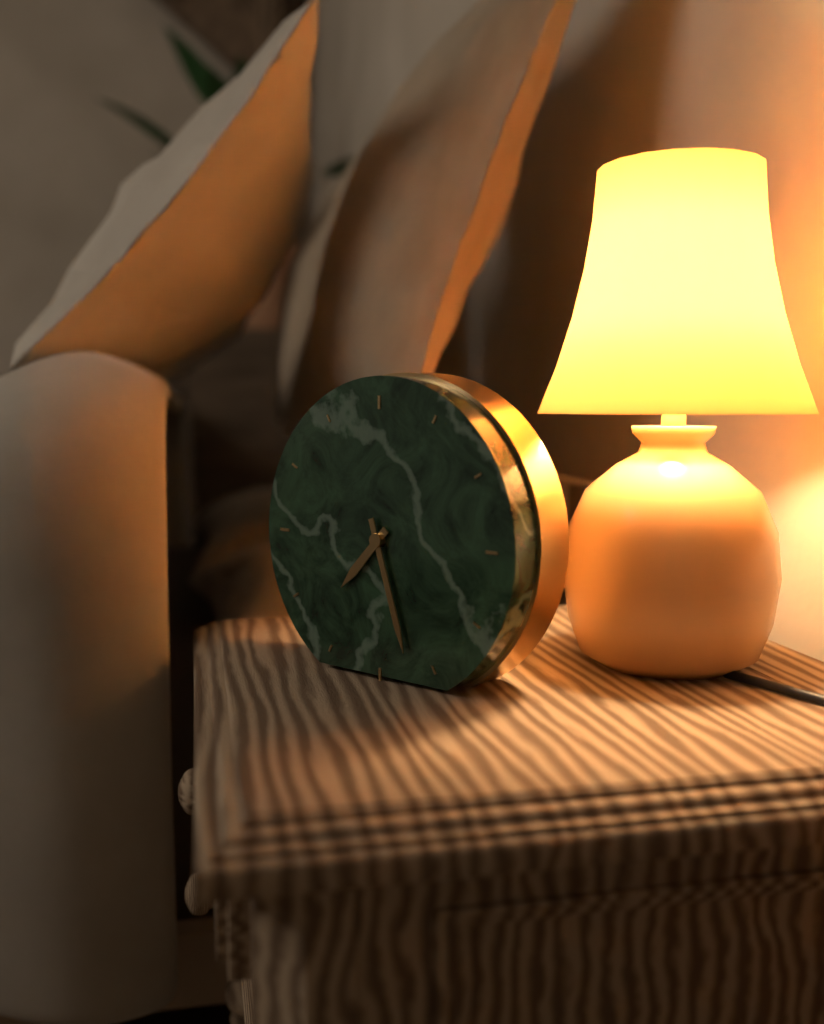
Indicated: 7 h 27 min
